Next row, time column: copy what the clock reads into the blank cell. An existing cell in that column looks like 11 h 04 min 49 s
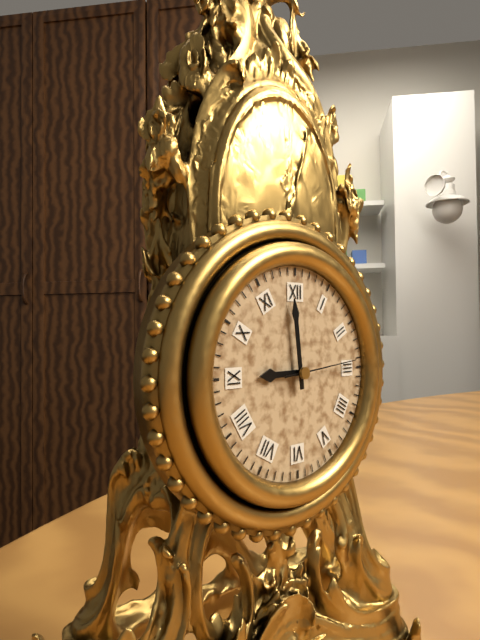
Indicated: 8 h 59 min 14 s
